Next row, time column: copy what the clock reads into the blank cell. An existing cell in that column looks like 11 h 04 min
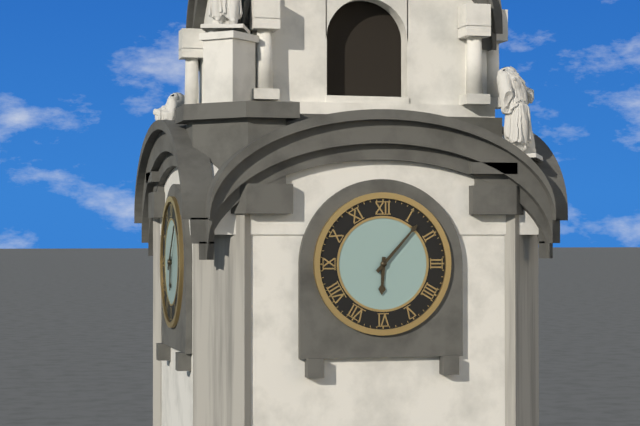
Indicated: 6 h 07 min
